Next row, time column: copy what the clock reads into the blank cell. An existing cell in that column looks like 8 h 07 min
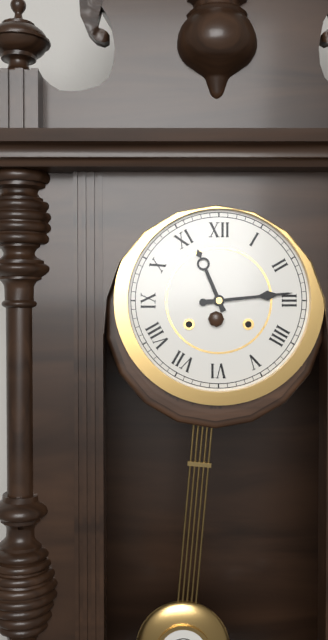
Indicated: 11 h 14 min
